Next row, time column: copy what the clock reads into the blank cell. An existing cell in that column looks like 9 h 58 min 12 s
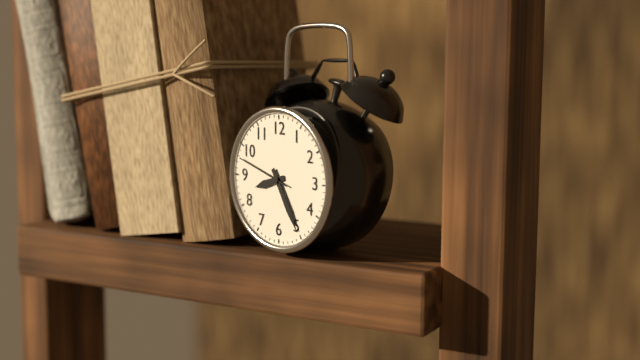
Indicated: 8 h 25 min 48 s
